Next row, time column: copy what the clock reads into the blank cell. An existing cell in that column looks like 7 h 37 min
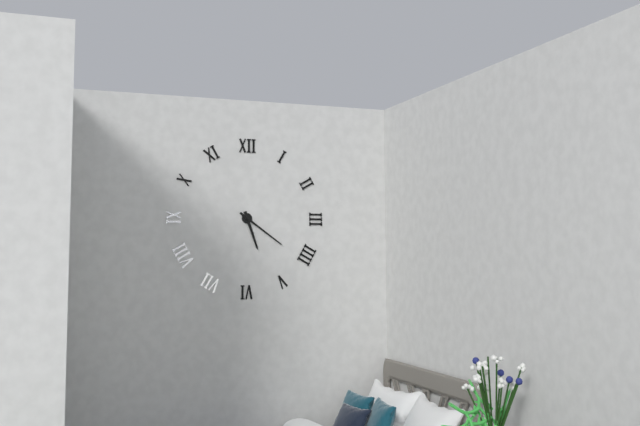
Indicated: 5 h 21 min
